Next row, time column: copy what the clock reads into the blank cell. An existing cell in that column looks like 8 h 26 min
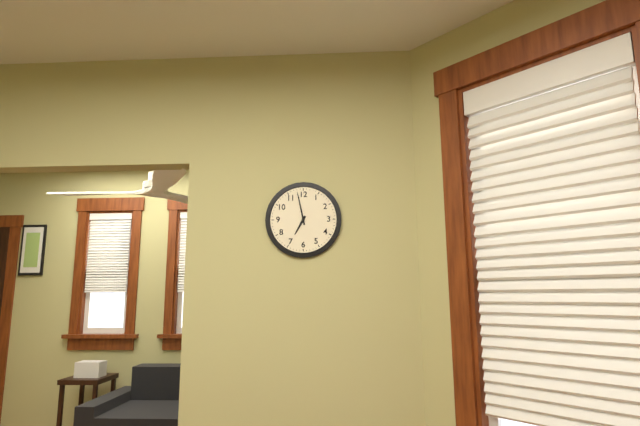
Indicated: 6 h 58 min
